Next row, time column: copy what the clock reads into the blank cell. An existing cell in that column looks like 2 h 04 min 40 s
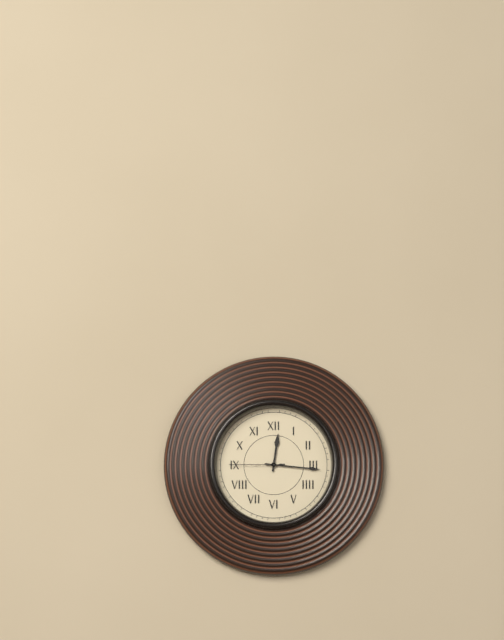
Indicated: 12 h 16 min 45 s
